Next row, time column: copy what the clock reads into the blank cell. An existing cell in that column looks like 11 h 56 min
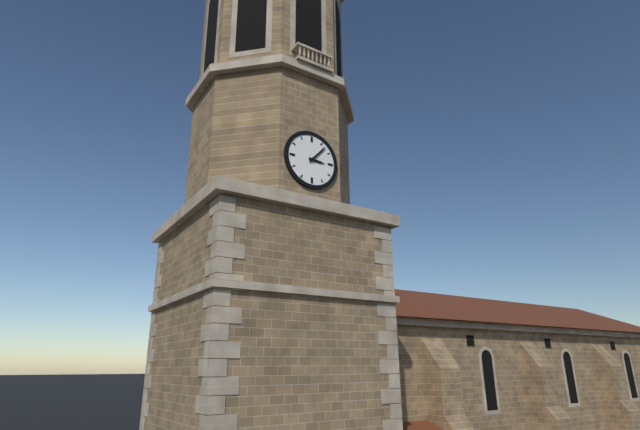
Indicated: 3 h 07 min
